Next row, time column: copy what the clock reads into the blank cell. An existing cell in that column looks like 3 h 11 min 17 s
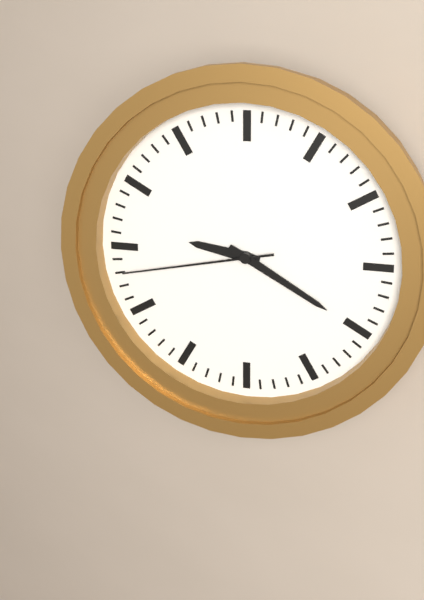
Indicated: 9 h 20 min 43 s
